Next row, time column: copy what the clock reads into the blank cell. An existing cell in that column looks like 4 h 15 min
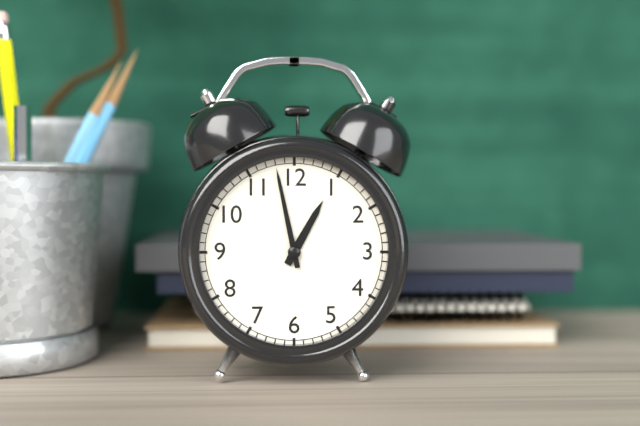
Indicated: 12 h 58 min
